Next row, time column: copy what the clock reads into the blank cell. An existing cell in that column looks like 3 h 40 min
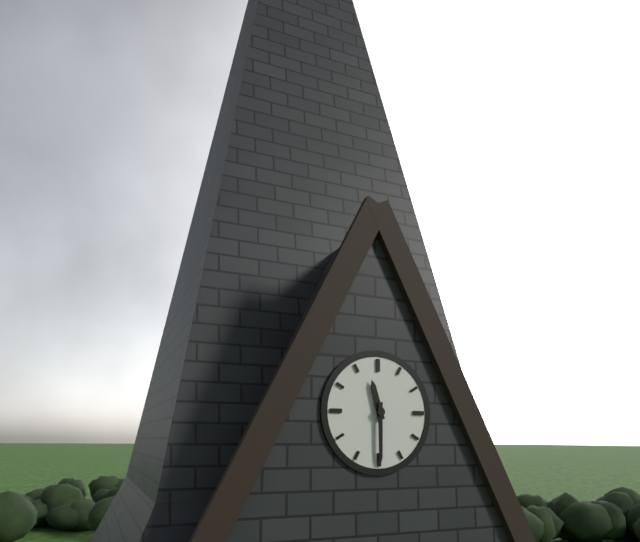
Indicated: 11 h 30 min
